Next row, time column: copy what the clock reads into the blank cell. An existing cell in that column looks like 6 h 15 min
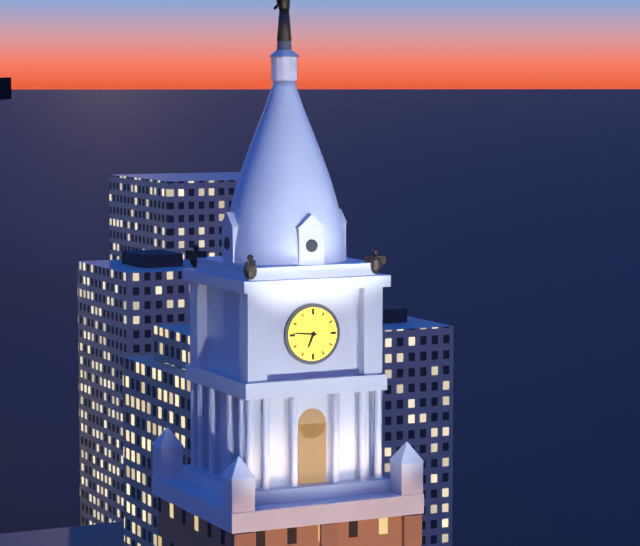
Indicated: 6 h 46 min
